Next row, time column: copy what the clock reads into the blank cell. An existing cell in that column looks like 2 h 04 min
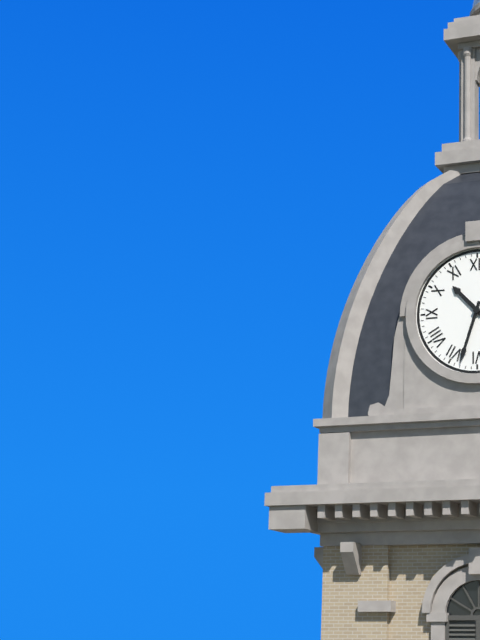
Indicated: 10 h 33 min
